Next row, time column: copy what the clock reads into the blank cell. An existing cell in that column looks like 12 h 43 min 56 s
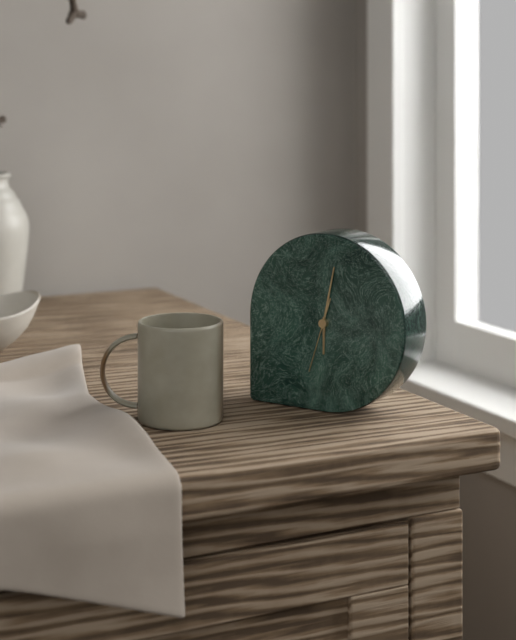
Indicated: 6 h 02 min 33 s
